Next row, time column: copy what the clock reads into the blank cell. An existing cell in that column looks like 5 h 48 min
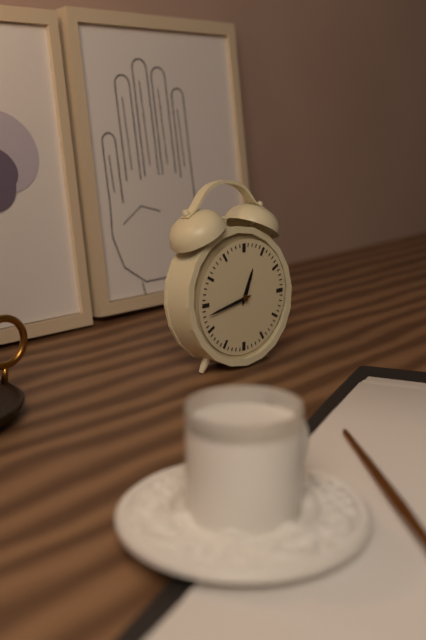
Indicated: 12 h 43 min
